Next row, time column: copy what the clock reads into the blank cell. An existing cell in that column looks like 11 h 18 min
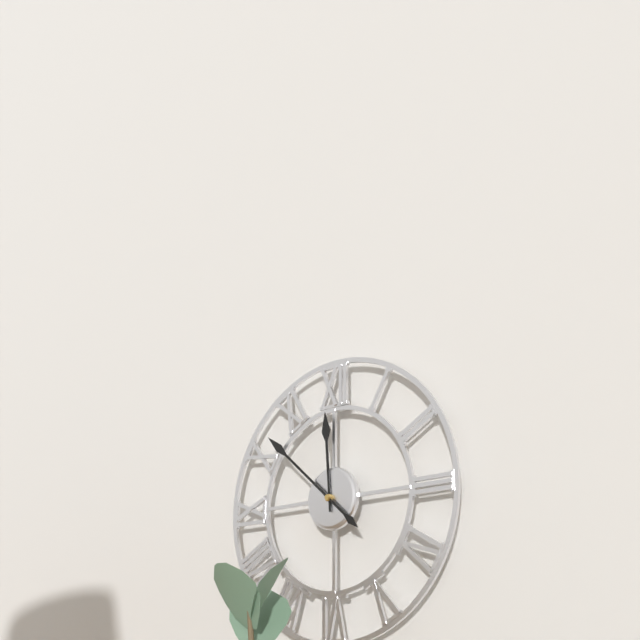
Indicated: 11 h 52 min
